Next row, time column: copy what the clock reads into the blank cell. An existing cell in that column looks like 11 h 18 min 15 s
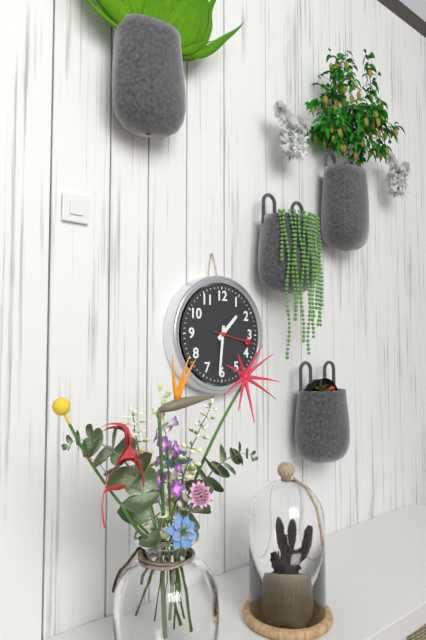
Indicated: 1 h 31 min 17 s
